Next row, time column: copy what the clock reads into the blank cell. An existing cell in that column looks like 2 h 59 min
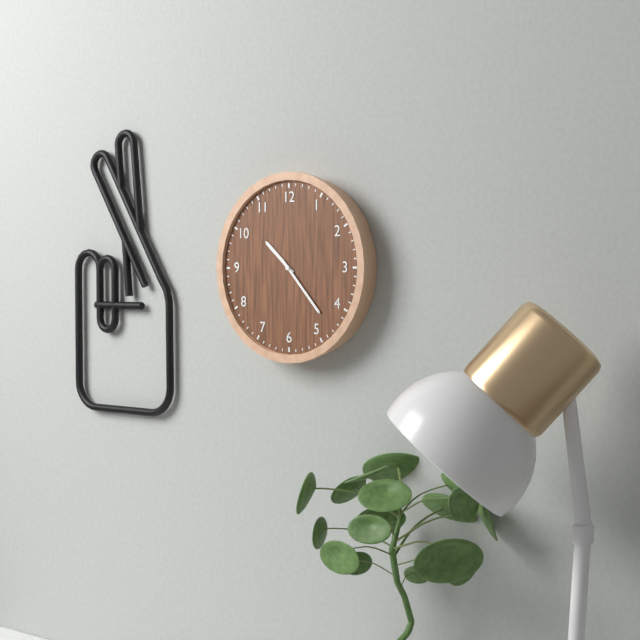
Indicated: 10 h 23 min
